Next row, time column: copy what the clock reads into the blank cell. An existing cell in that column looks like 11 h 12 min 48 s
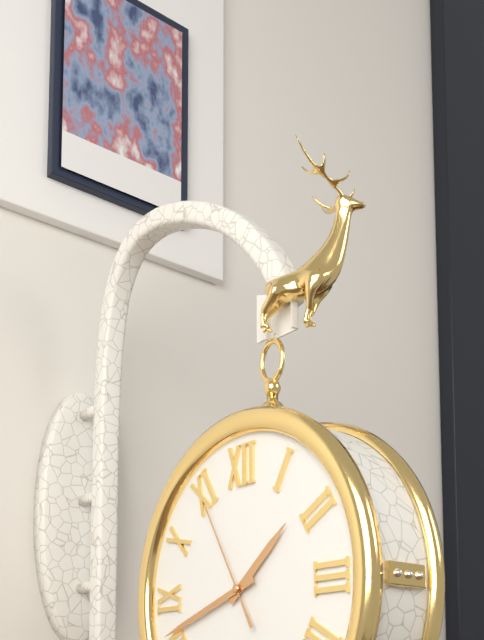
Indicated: 1 h 42 min 55 s
